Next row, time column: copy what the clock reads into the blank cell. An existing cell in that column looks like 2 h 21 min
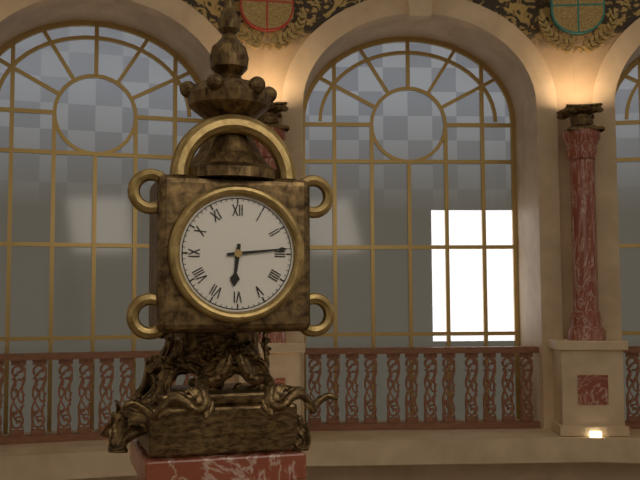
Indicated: 6 h 14 min
